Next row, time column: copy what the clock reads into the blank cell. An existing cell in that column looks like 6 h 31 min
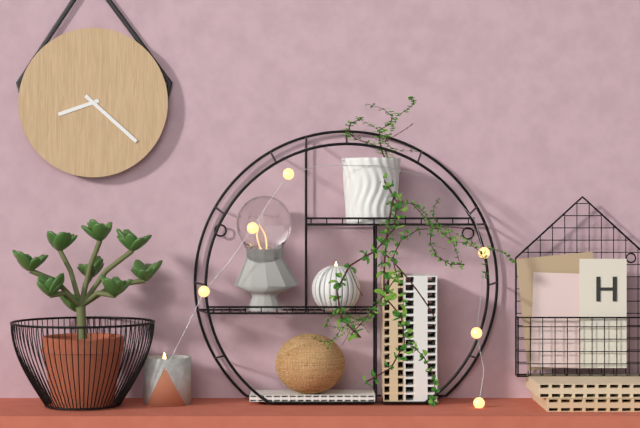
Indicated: 8 h 22 min
